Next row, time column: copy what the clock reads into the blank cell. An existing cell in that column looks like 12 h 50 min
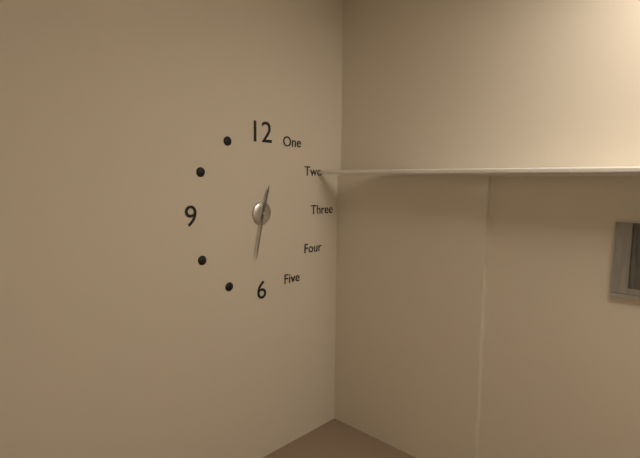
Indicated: 12 h 32 min
